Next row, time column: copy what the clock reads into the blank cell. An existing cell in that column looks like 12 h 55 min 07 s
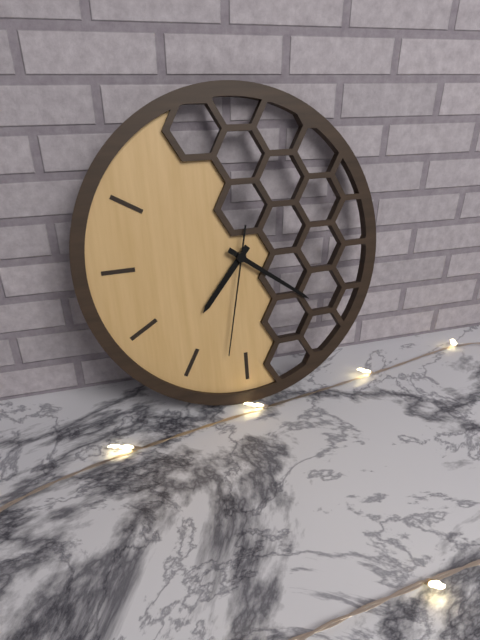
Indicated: 7 h 21 min 32 s
